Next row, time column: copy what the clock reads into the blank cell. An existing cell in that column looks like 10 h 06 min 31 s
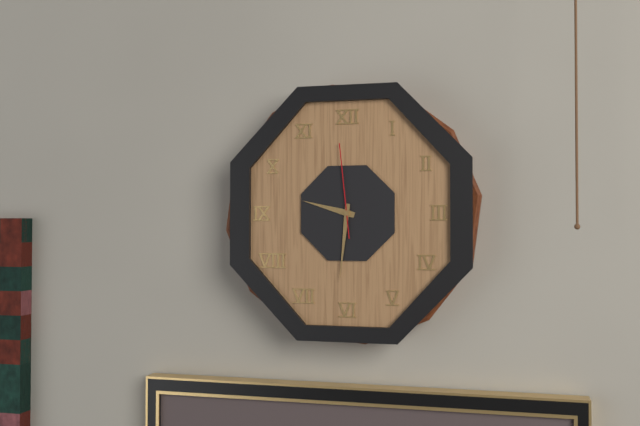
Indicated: 9 h 31 min 59 s
